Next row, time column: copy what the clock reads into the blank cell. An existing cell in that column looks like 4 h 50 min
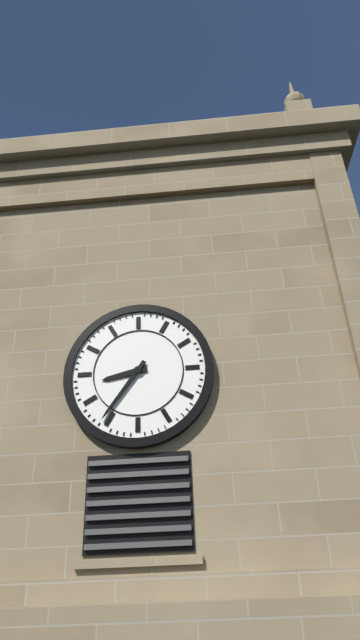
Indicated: 8 h 36 min
